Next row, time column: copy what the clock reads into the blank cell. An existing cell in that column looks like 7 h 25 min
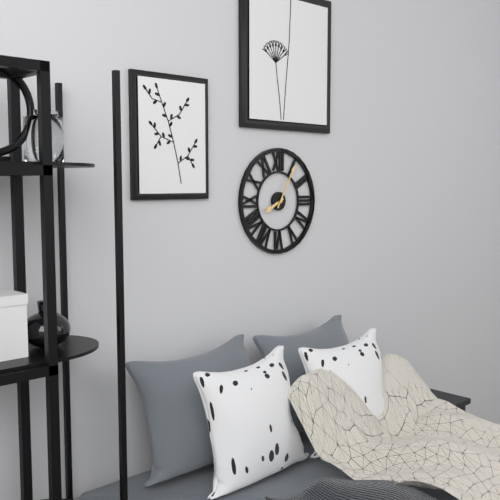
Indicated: 8 h 05 min
